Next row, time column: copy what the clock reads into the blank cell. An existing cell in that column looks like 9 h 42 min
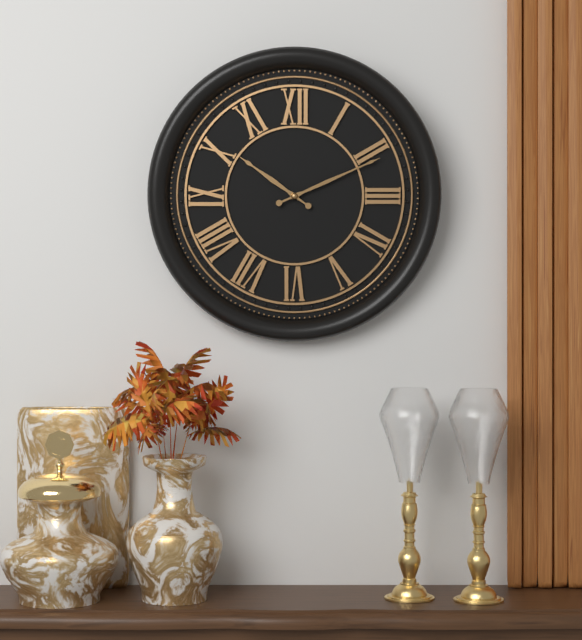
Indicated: 10 h 11 min
